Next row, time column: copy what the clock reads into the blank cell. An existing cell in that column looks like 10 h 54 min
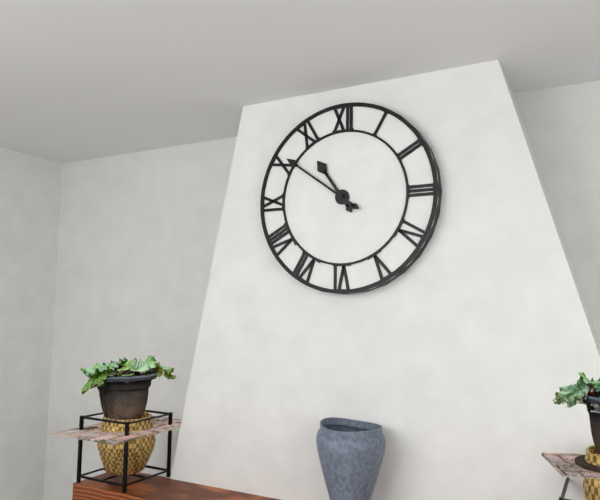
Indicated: 10 h 51 min
